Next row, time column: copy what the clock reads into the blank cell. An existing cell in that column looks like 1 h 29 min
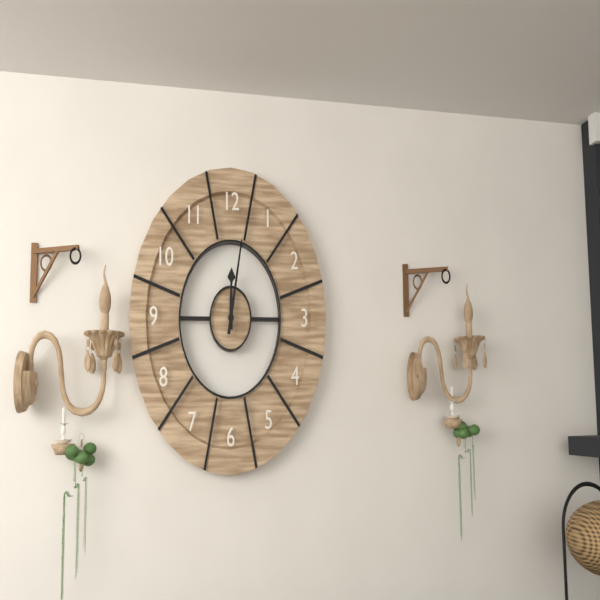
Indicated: 12 h 02 min
